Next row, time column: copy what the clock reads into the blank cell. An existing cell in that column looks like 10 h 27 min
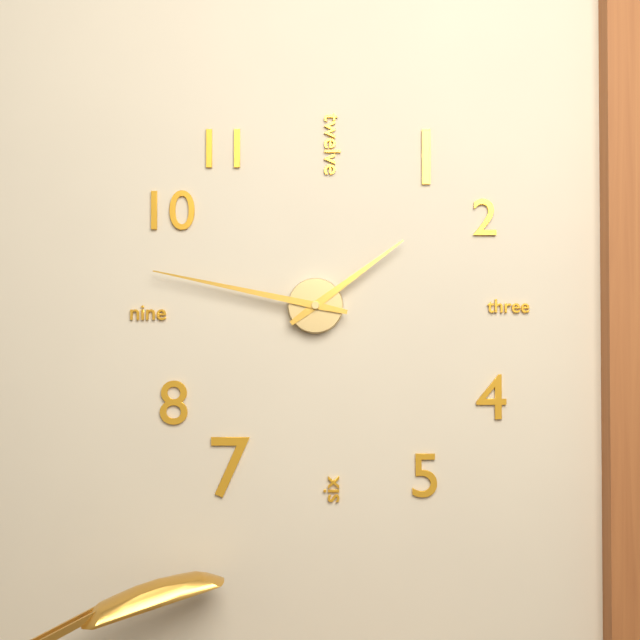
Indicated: 1 h 47 min
